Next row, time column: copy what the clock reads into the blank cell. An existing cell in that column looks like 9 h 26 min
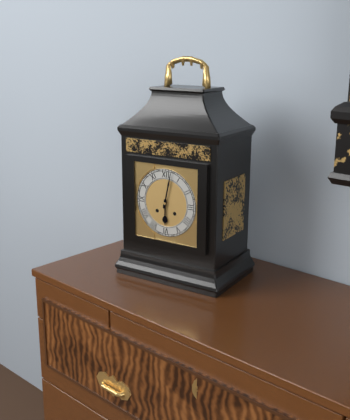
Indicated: 6 h 02 min
